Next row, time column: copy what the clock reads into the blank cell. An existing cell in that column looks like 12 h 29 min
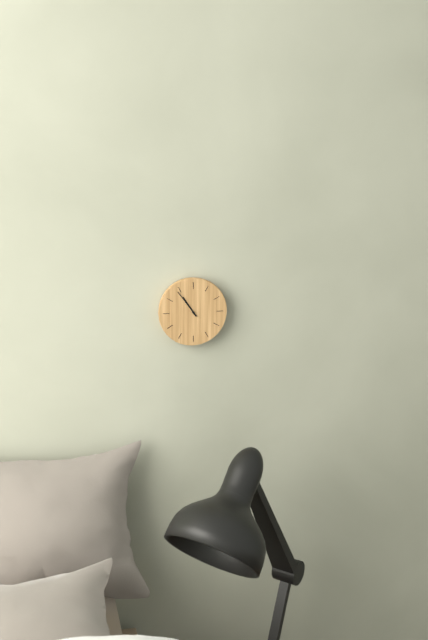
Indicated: 10 h 54 min
